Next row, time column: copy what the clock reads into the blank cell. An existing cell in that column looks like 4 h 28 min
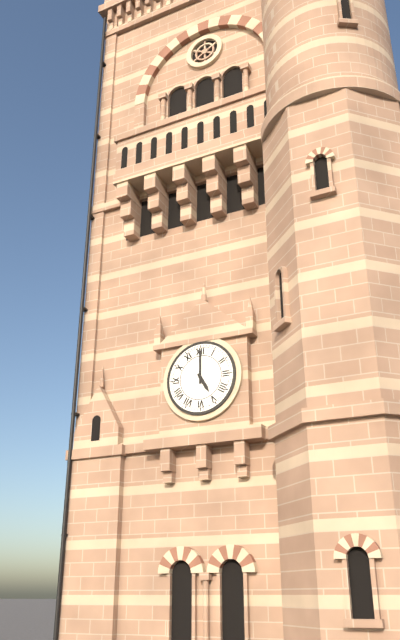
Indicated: 5 h 00 min
